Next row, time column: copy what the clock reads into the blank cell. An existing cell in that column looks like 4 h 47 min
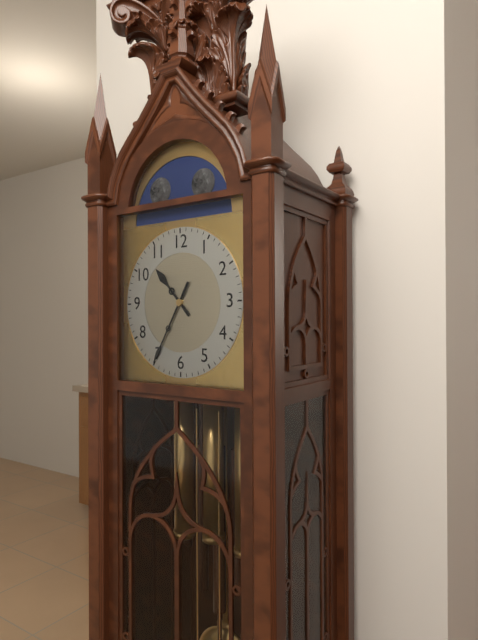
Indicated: 10 h 35 min
